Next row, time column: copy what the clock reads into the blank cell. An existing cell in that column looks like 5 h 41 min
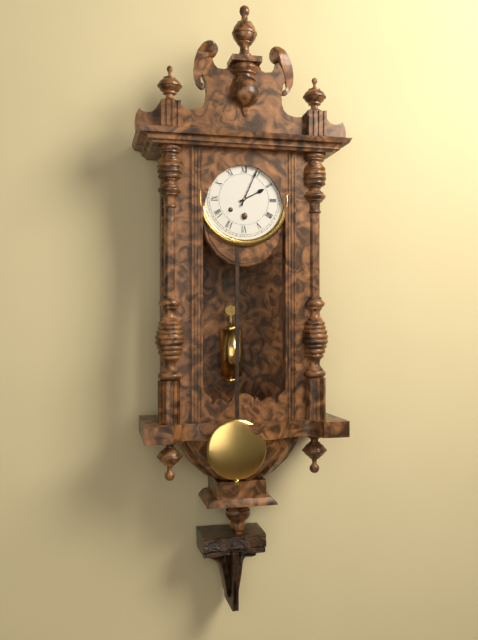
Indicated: 2 h 04 min
